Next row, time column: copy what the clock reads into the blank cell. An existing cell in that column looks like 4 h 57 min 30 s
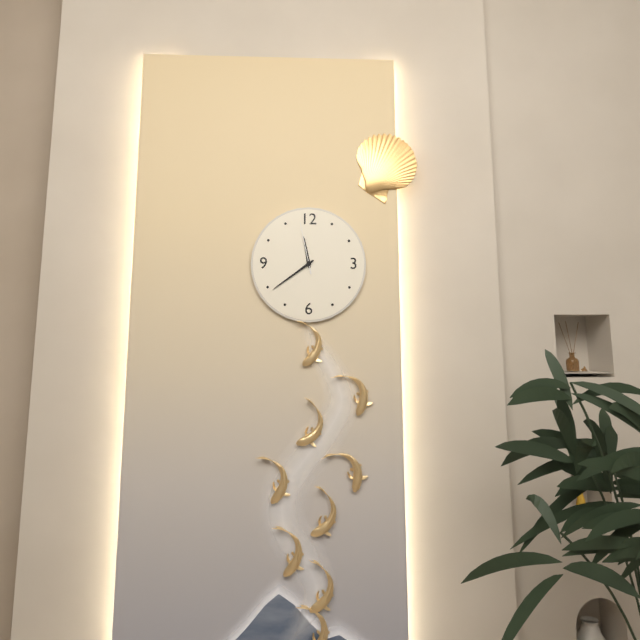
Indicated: 11 h 39 min 58 s
